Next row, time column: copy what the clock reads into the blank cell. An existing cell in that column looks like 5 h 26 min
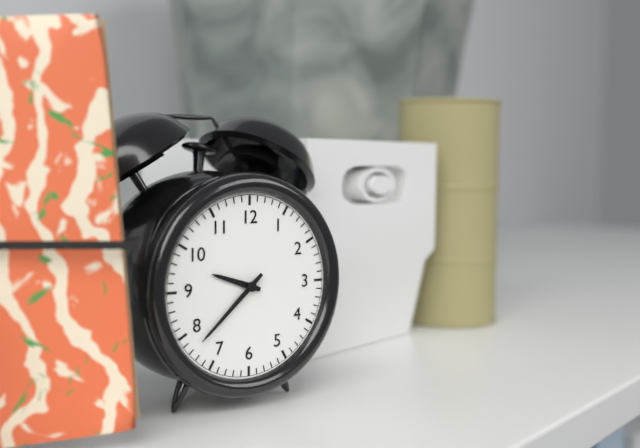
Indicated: 9 h 38 min
